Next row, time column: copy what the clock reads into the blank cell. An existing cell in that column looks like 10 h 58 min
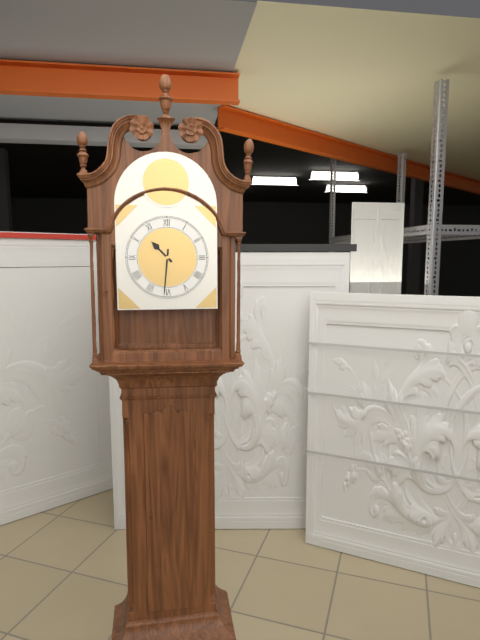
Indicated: 10 h 31 min
